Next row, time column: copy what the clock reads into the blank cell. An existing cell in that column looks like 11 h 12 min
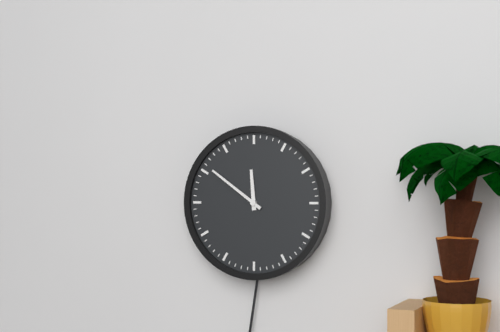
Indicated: 11 h 51 min
